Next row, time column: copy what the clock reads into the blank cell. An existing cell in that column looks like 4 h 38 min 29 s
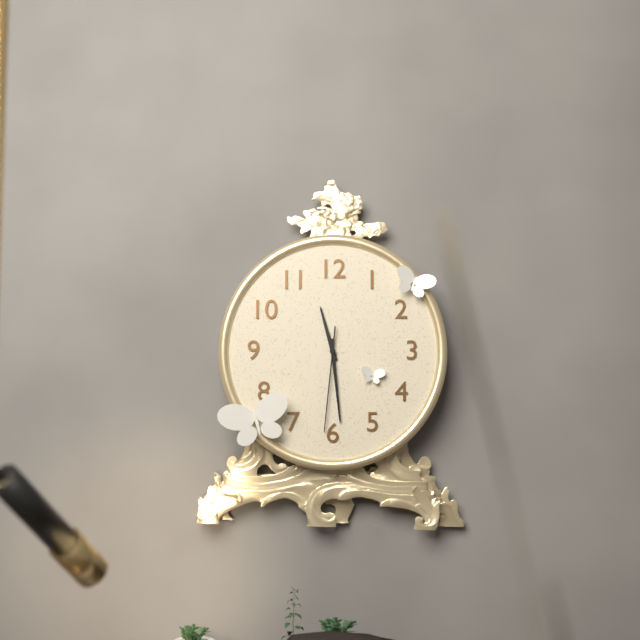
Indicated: 11 h 29 min 31 s
